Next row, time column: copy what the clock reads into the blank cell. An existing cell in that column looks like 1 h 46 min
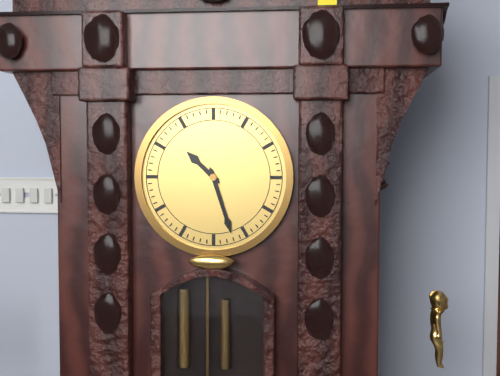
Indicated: 10 h 27 min
